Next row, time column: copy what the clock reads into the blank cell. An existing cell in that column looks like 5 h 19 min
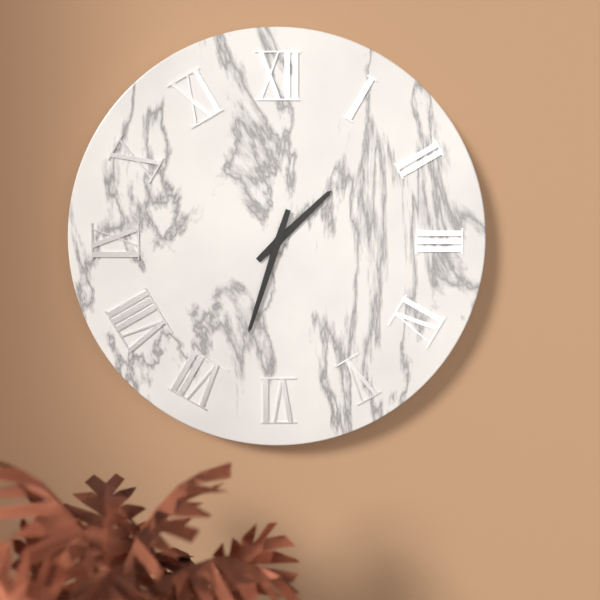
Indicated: 1 h 33 min
